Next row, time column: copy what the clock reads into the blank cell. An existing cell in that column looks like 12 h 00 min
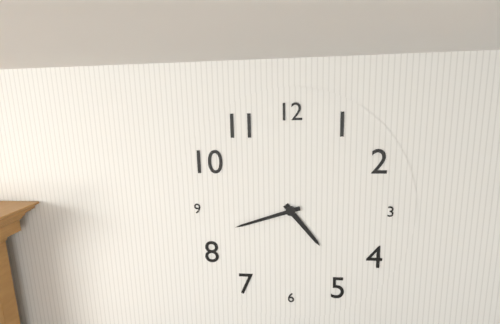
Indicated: 4 h 42 min
